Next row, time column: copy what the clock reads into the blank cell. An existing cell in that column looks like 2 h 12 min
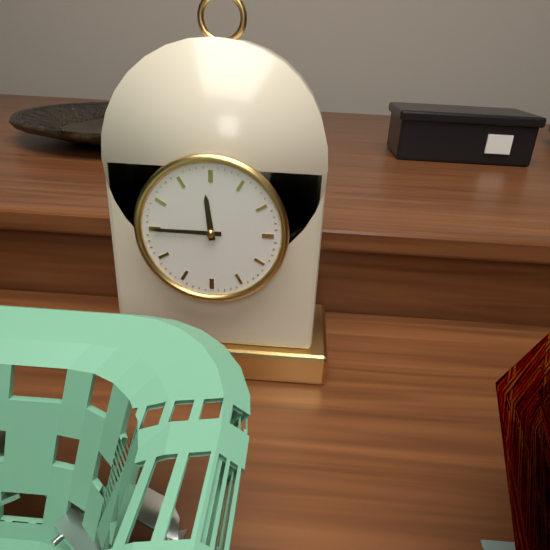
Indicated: 11 h 45 min
